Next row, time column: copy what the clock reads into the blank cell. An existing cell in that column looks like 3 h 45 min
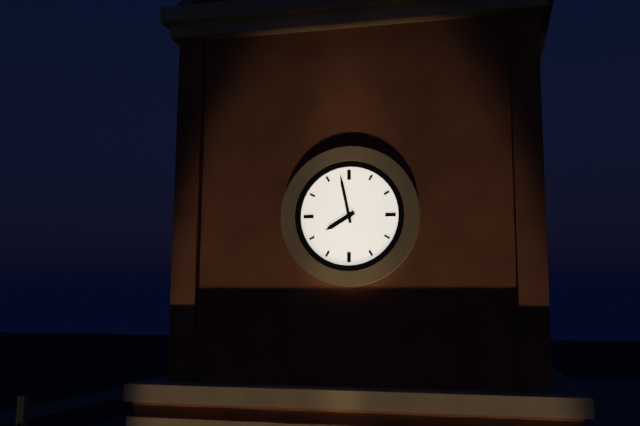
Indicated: 7 h 58 min
